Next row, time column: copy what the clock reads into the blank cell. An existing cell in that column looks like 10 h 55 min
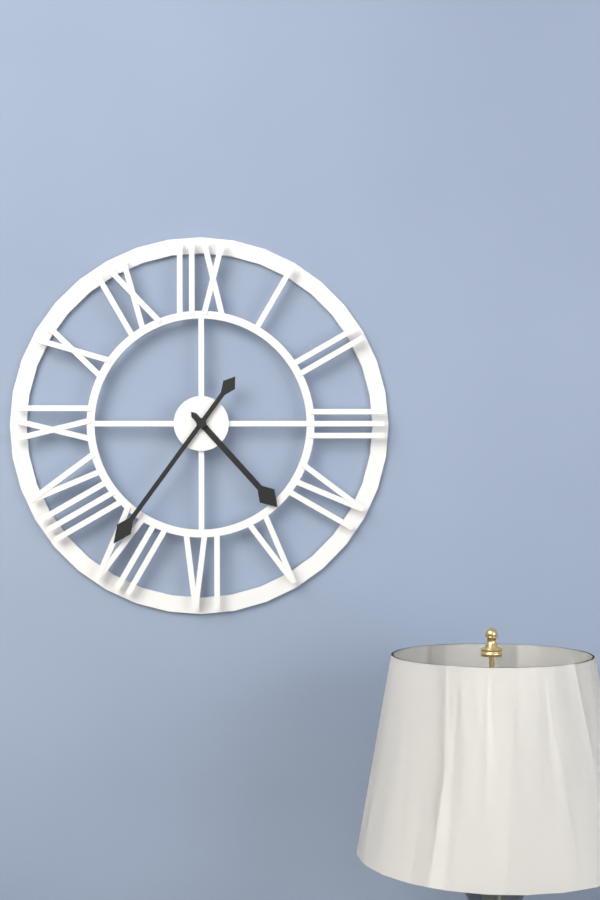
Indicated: 4 h 36 min
